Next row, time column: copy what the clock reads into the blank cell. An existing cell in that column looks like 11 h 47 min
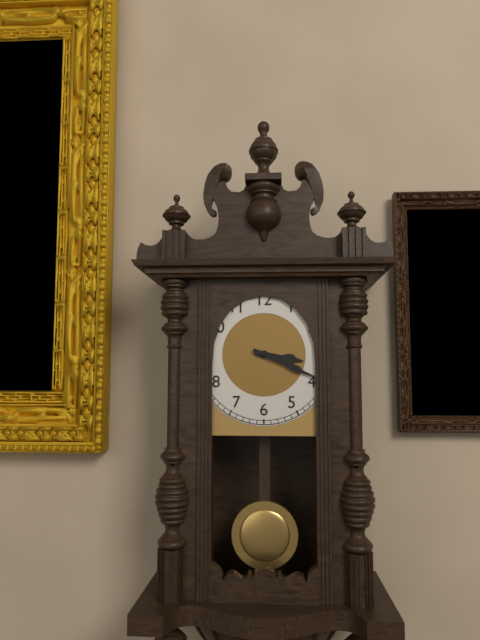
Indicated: 3 h 19 min
